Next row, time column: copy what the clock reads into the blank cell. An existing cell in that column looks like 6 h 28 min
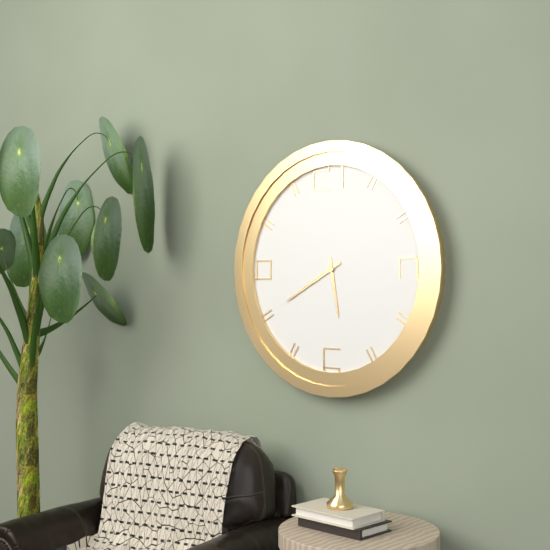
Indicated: 5 h 40 min
